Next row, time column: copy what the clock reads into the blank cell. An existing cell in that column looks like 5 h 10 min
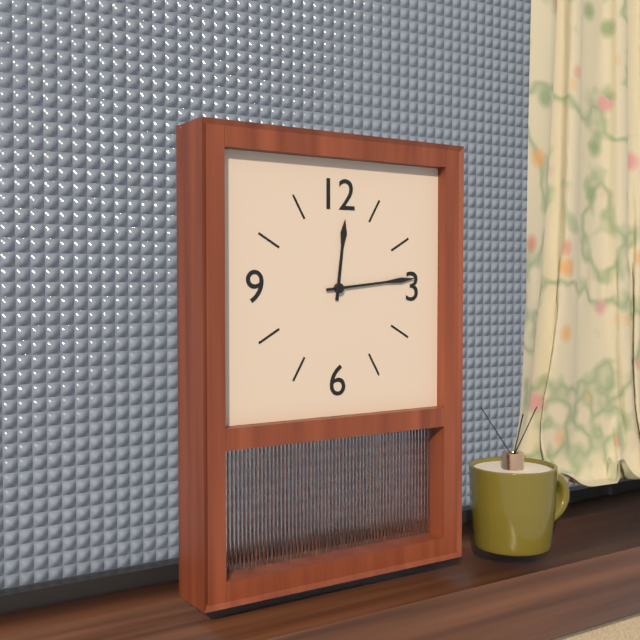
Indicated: 12 h 14 min
